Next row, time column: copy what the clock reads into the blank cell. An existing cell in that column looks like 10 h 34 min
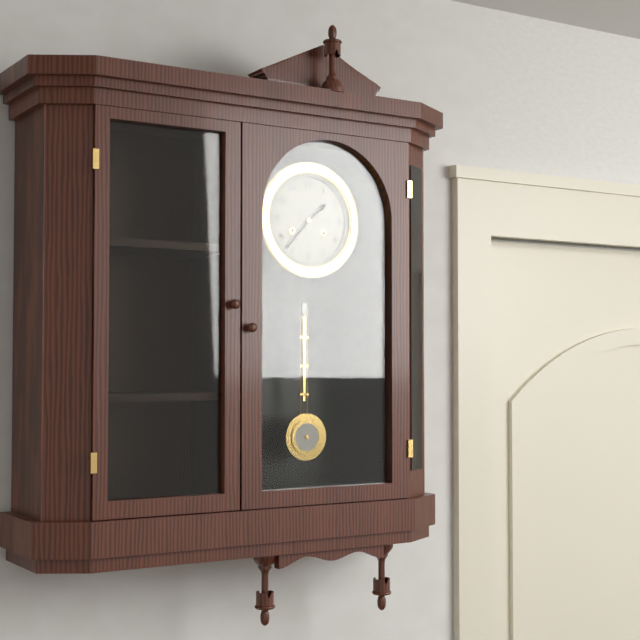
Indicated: 1 h 37 min
